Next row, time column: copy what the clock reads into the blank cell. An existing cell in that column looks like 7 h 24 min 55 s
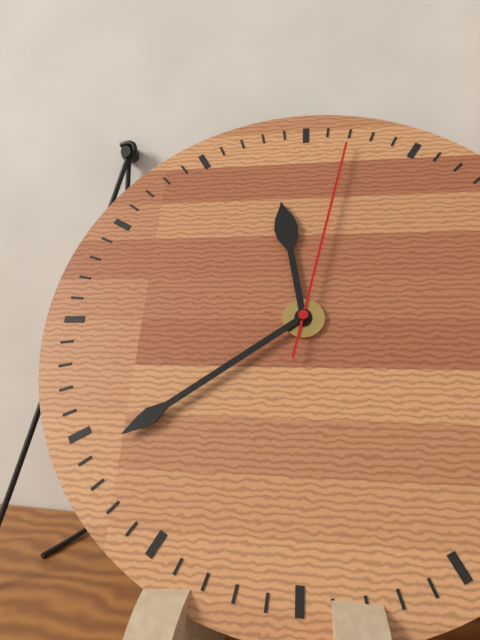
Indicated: 11 h 39 min 02 s
